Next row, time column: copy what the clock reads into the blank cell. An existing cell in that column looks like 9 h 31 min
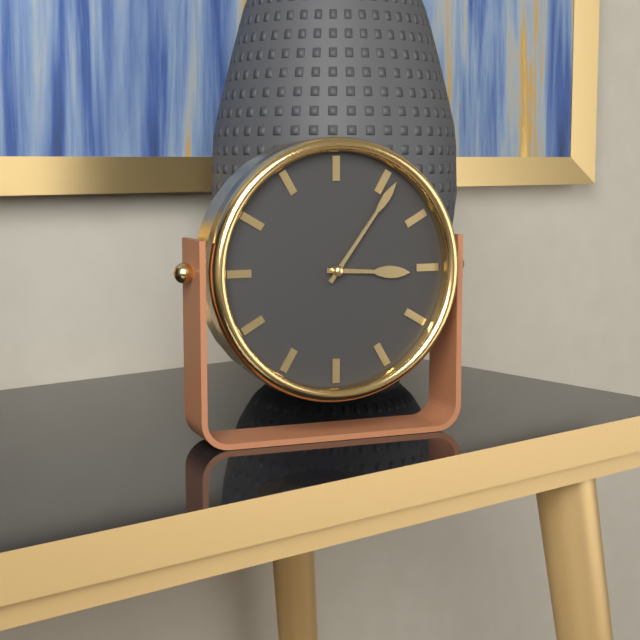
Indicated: 3 h 06 min
